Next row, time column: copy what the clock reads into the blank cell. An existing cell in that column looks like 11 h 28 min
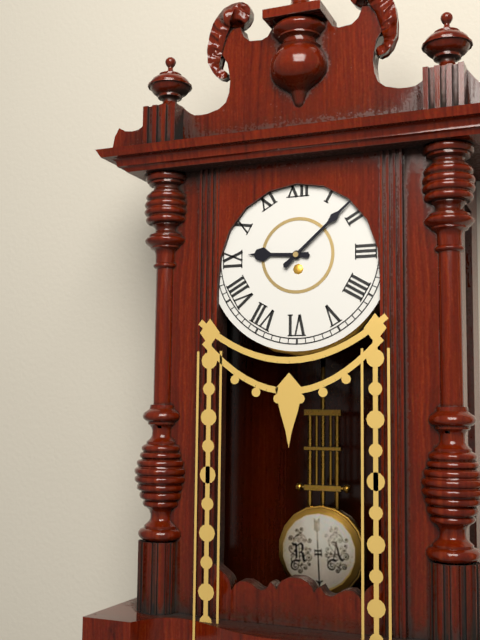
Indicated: 9 h 08 min
